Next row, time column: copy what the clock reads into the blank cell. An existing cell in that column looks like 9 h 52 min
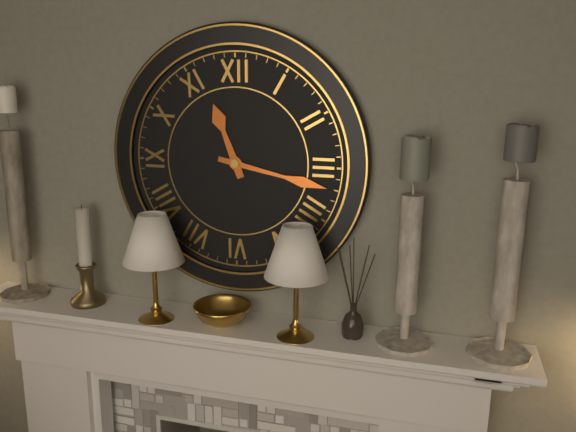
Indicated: 11 h 17 min
